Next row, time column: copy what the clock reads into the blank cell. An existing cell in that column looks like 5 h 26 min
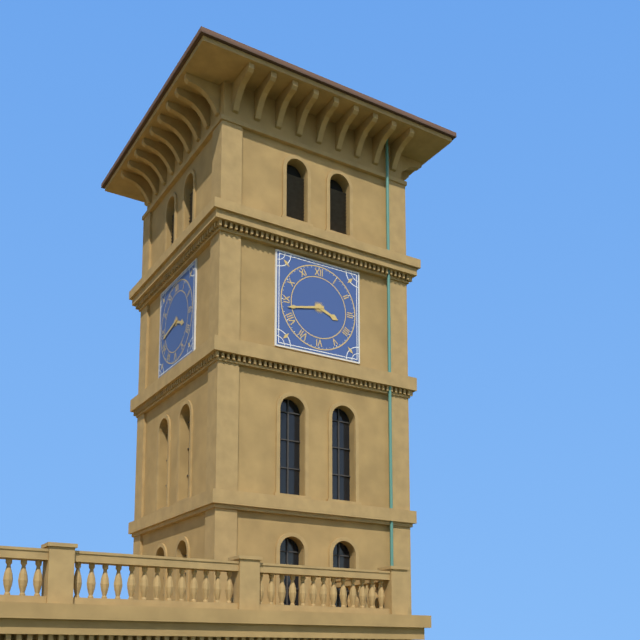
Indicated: 3 h 43 min
